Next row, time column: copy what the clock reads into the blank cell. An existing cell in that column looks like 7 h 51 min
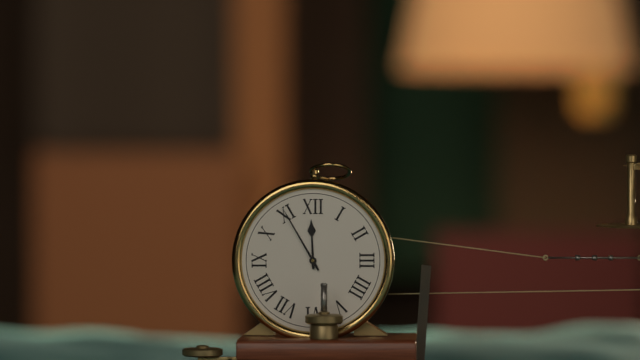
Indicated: 11 h 55 min
